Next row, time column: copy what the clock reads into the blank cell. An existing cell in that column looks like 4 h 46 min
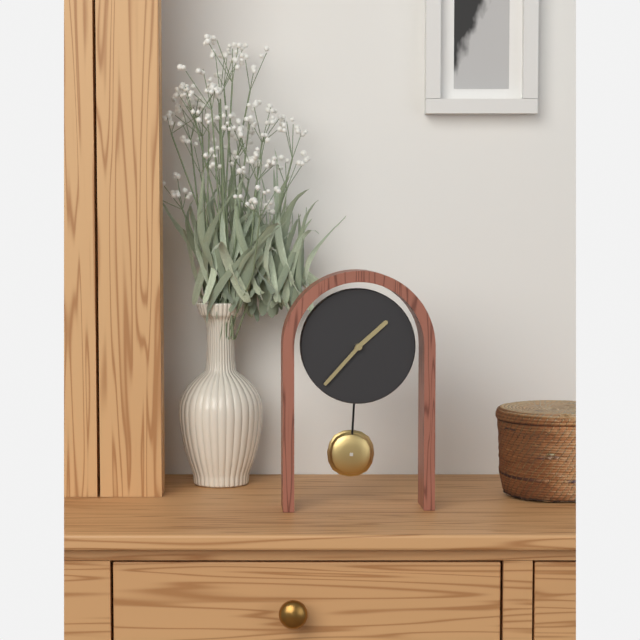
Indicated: 1 h 37 min
